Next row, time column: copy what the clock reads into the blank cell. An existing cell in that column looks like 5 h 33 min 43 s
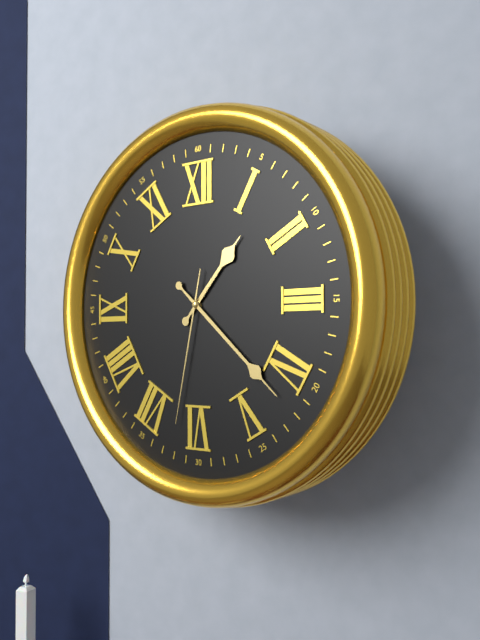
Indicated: 1 h 22 min 32 s
